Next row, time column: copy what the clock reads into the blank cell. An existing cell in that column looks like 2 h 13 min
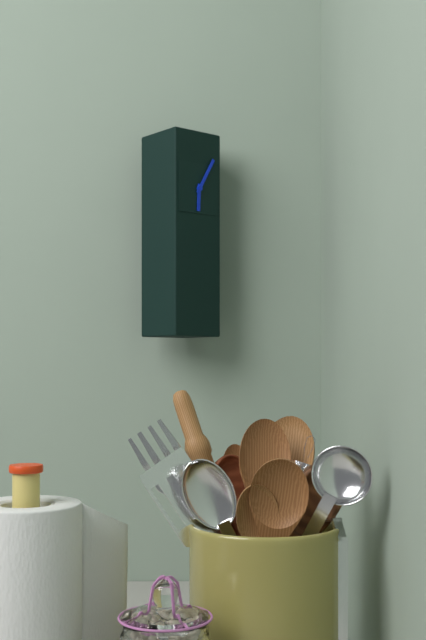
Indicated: 6 h 05 min
